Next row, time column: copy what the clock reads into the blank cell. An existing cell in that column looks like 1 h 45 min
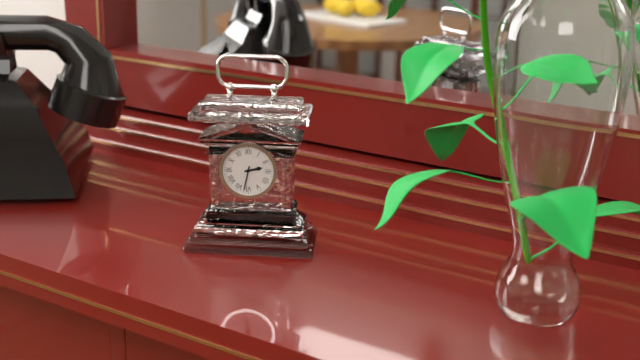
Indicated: 2 h 32 min
